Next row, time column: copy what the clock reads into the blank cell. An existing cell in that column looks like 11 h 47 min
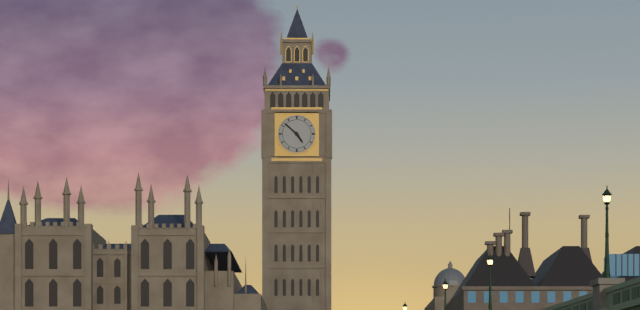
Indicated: 4 h 52 min
